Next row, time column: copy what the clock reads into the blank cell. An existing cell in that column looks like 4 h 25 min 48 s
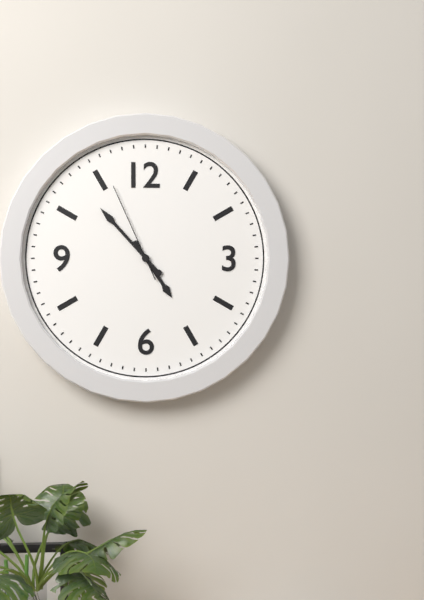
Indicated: 4 h 53 min 56 s
